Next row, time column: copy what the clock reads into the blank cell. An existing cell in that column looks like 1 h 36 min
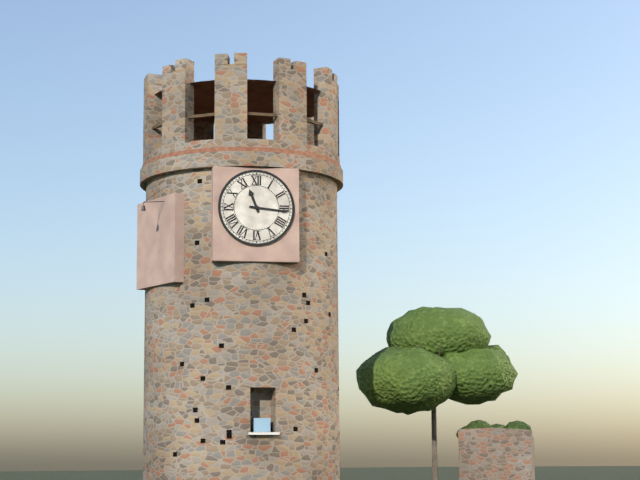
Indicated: 11 h 16 min
